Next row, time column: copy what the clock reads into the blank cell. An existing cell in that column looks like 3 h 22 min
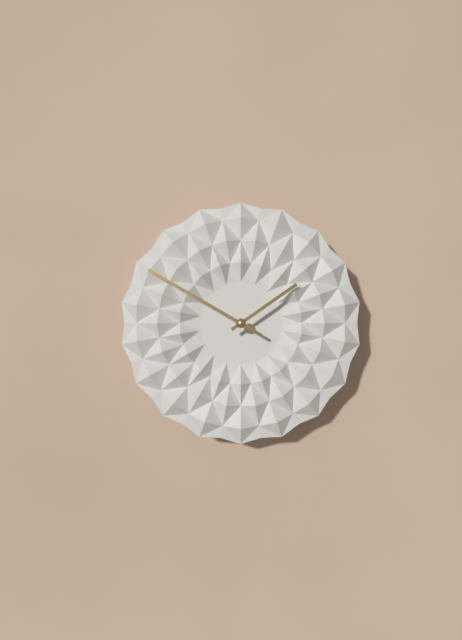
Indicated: 1 h 50 min
